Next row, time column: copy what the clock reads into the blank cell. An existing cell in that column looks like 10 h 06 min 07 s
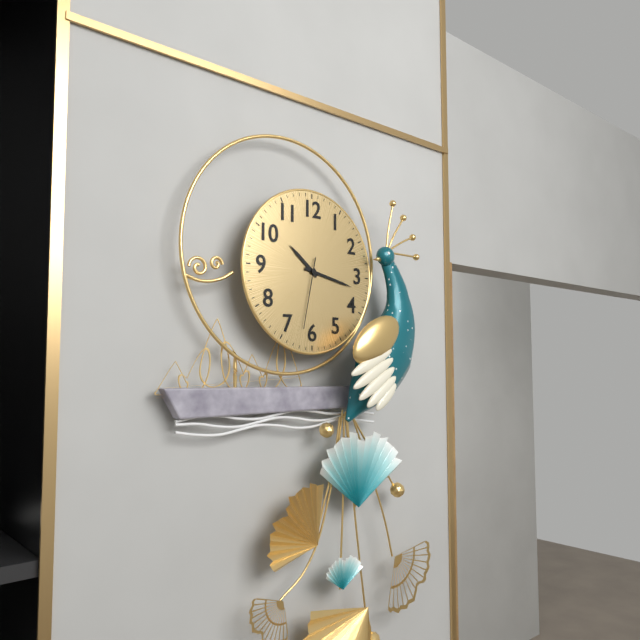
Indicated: 10 h 17 min 32 s
